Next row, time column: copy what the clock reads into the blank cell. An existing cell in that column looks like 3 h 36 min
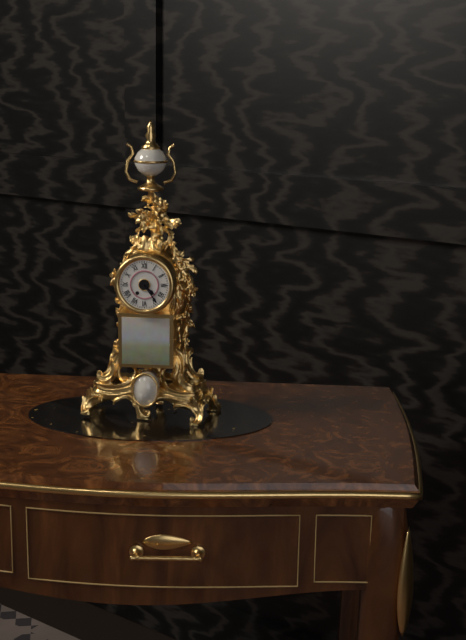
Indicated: 4 h 24 min
